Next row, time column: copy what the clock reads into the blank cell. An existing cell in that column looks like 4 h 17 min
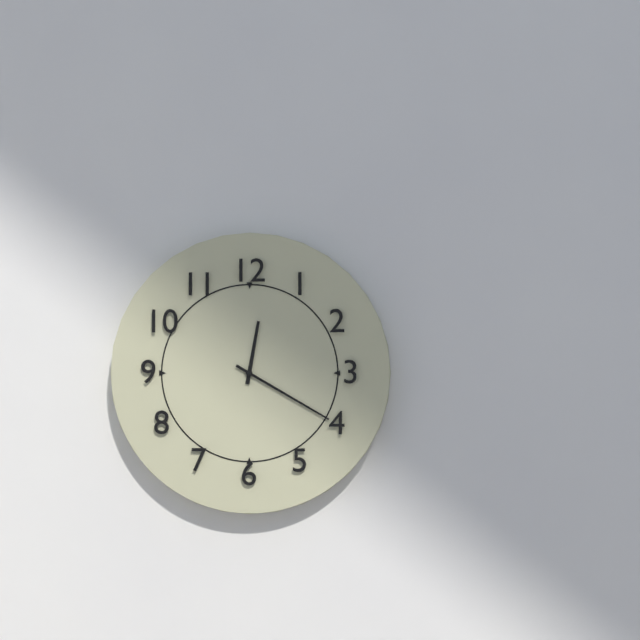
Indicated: 12 h 20 min
